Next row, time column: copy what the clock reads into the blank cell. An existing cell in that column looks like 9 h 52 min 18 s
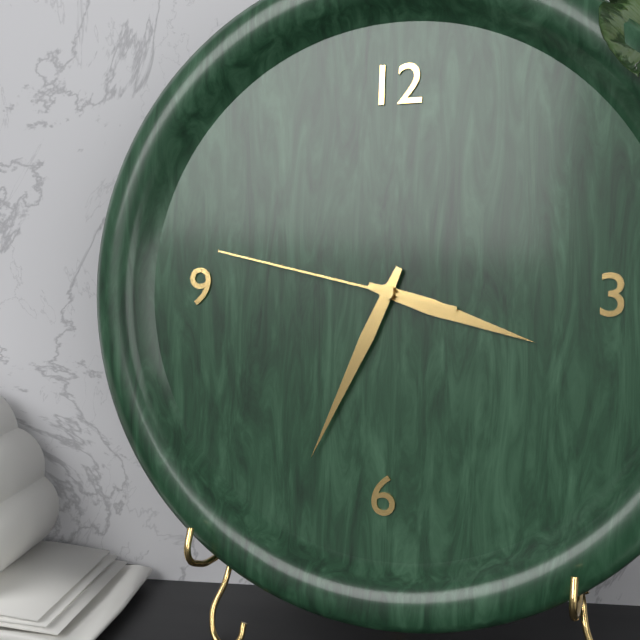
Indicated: 3 h 34 min 47 s
